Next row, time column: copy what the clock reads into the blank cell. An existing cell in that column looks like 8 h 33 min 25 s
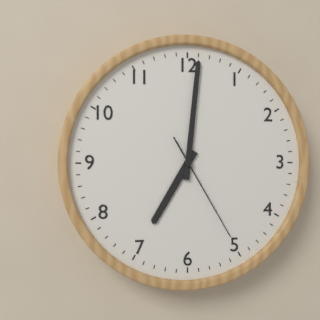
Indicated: 7 h 01 min 25 s
